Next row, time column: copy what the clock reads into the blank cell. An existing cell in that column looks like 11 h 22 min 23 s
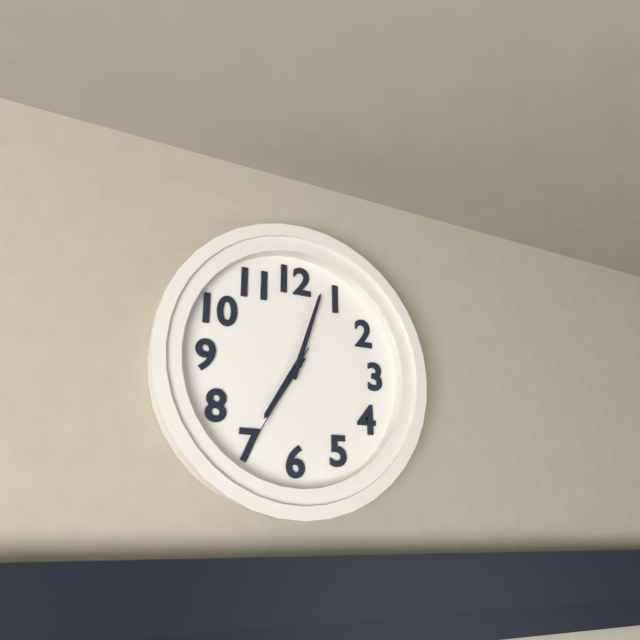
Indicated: 7 h 03 min 35 s
